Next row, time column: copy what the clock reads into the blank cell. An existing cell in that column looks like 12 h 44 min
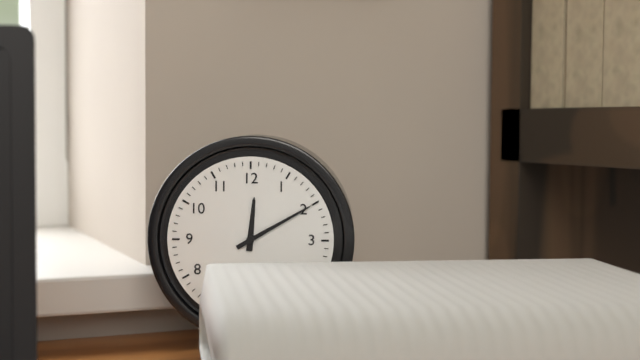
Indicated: 12 h 10 min
